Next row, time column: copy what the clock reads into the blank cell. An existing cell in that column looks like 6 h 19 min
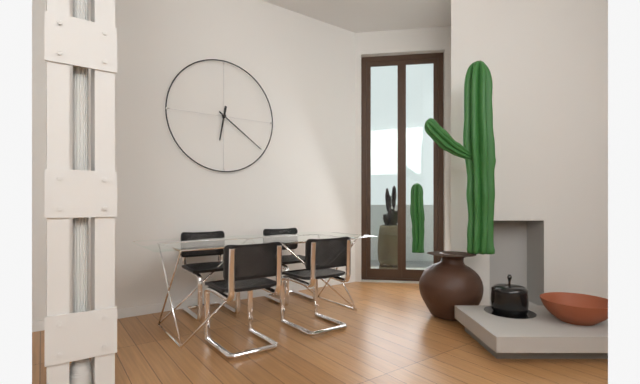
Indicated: 6 h 21 min
